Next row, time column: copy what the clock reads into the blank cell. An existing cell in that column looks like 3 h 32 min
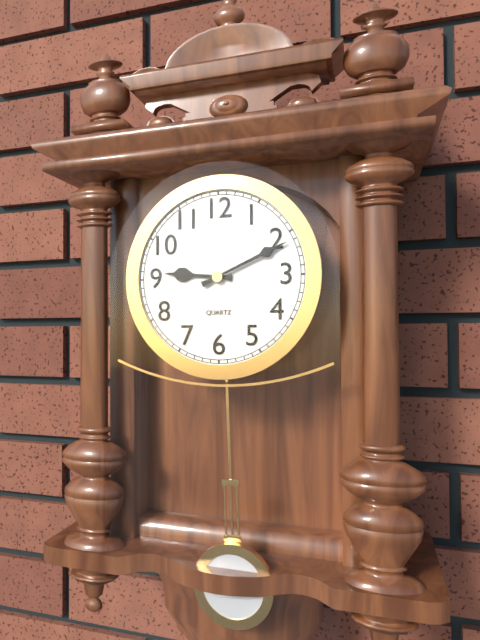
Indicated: 9 h 11 min
